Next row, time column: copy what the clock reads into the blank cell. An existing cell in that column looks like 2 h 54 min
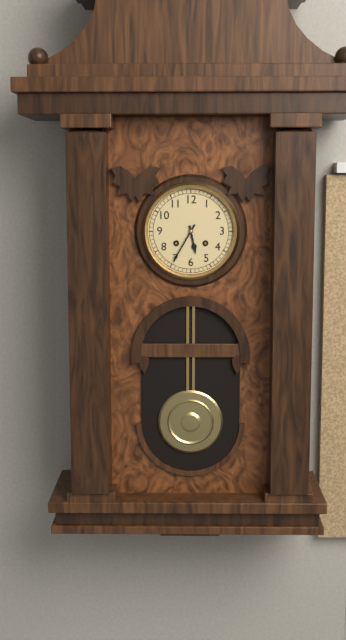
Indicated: 5 h 35 min
